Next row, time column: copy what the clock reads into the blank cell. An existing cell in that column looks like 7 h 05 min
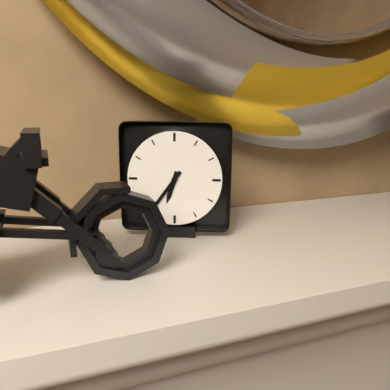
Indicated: 6 h 36 min
